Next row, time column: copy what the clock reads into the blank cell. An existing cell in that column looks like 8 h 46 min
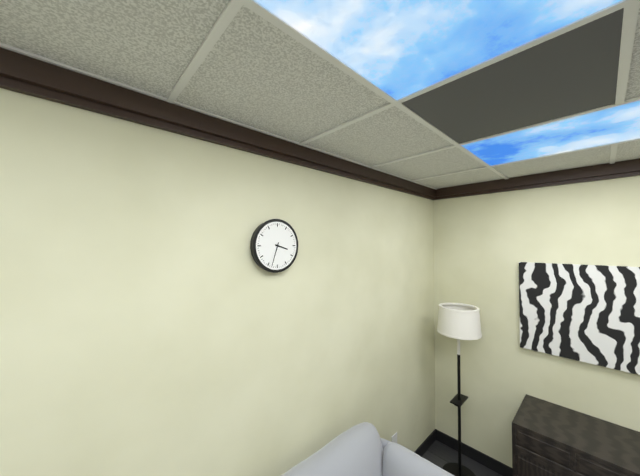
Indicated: 3 h 33 min
